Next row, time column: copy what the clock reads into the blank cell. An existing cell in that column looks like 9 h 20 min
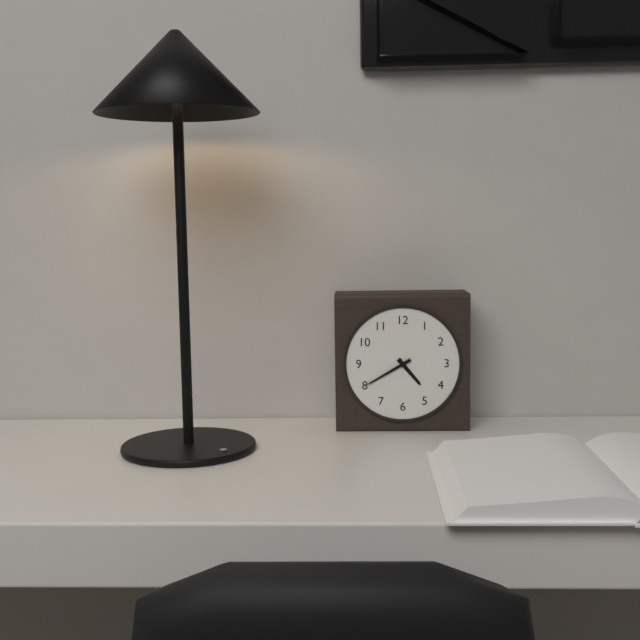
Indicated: 4 h 40 min
